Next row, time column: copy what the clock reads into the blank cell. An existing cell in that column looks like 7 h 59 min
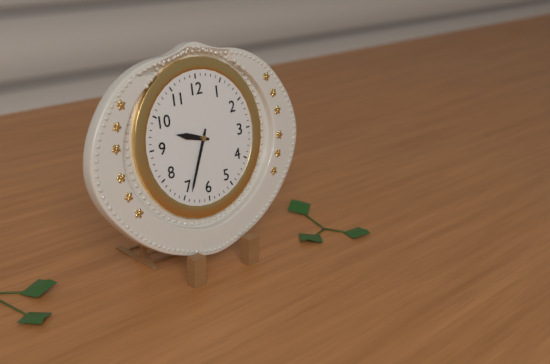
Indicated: 9 h 34 min
